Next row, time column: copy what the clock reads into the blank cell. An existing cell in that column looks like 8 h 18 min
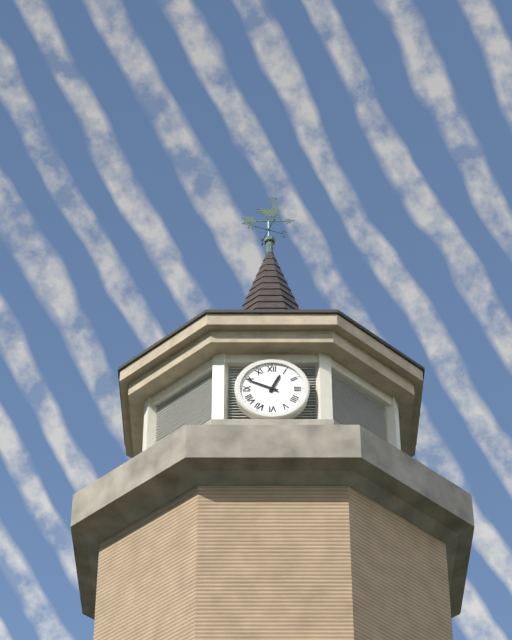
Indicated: 12 h 49 min
